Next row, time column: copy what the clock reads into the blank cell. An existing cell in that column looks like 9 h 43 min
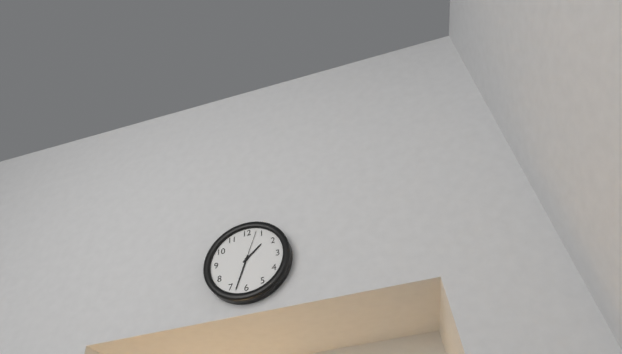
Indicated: 1 h 33 min
